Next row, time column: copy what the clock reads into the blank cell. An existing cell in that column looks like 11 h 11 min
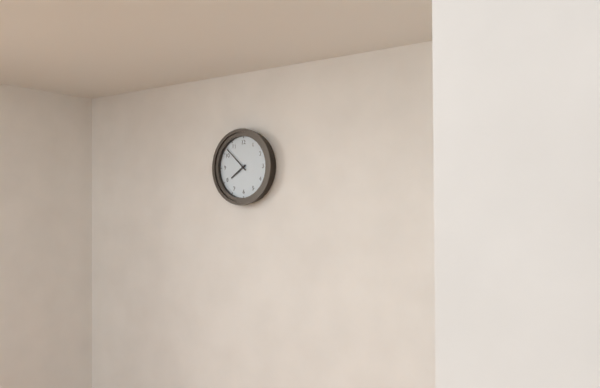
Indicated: 7 h 52 min
